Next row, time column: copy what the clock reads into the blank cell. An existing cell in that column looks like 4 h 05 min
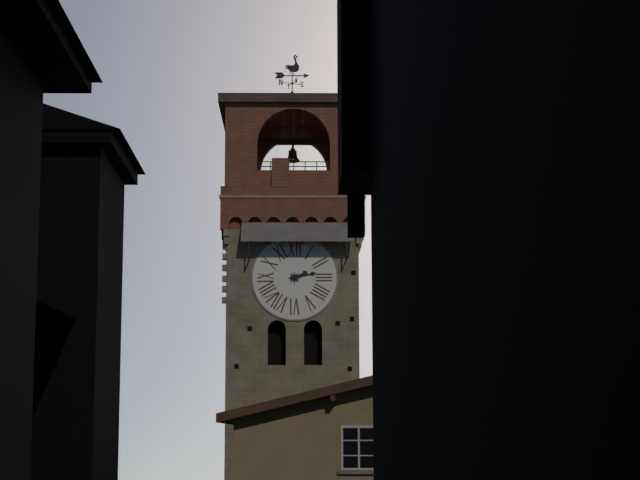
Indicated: 2 h 13 min
